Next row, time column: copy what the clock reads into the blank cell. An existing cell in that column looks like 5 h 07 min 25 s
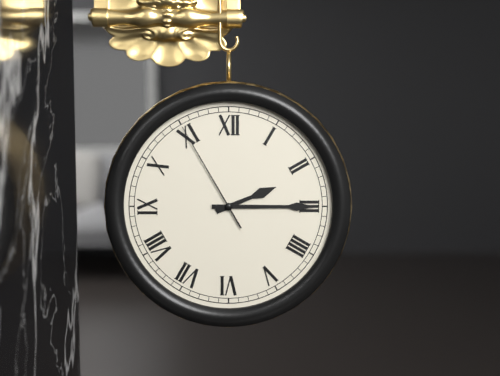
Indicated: 2 h 15 min 55 s
